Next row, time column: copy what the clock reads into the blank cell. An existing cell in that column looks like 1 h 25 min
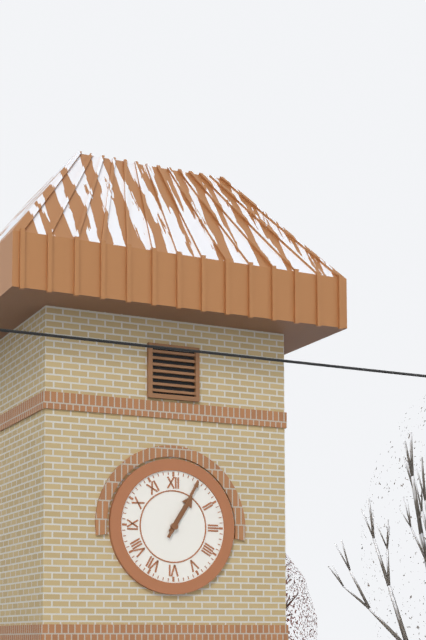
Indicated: 1 h 05 min
